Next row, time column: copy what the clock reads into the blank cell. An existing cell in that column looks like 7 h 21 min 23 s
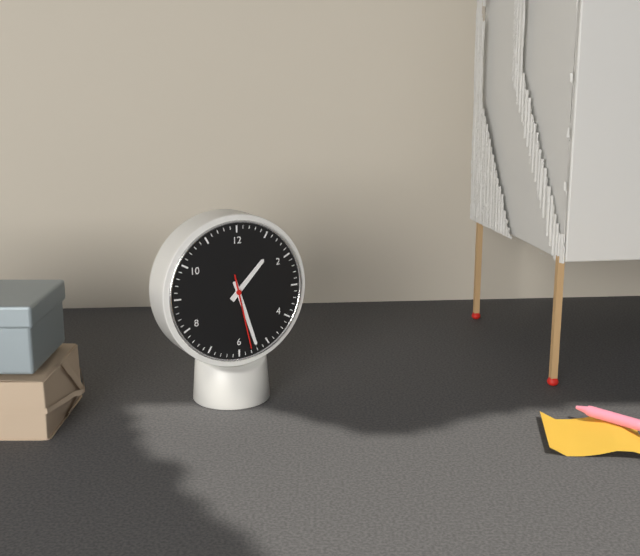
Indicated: 1 h 27 min 28 s
